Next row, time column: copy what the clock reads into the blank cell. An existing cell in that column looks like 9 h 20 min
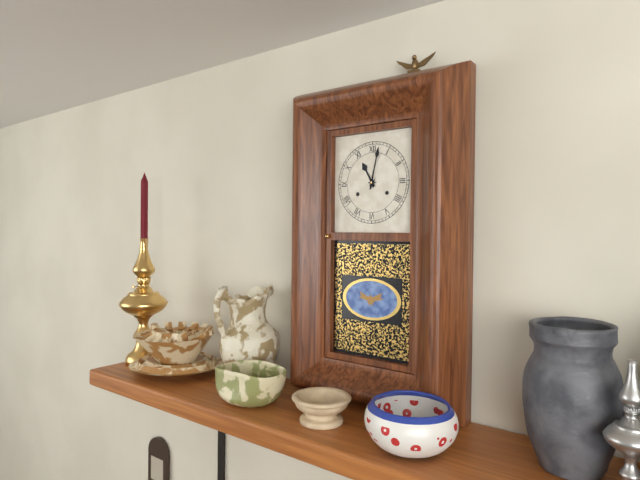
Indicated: 11 h 02 min
